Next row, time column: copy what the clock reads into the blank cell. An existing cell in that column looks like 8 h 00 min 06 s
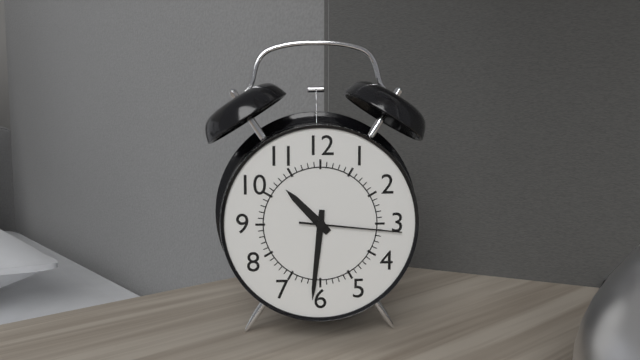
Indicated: 10 h 31 min 16 s
